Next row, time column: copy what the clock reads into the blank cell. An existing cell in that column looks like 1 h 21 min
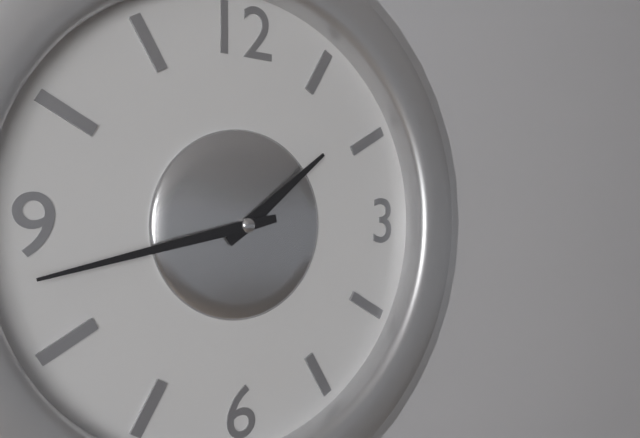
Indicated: 1 h 43 min
